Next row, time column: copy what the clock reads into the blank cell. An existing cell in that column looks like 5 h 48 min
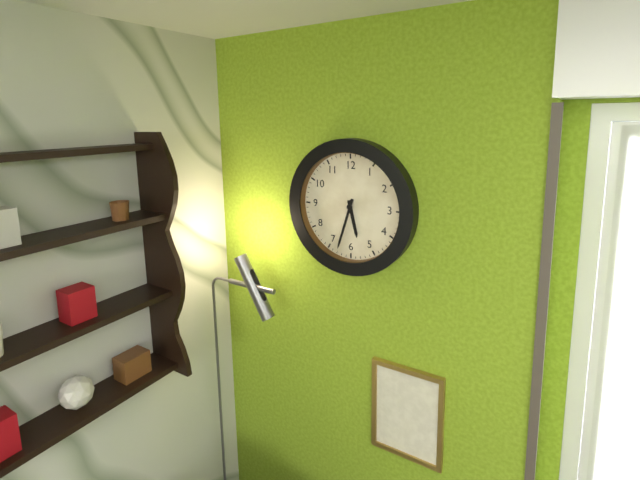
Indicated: 5 h 33 min
